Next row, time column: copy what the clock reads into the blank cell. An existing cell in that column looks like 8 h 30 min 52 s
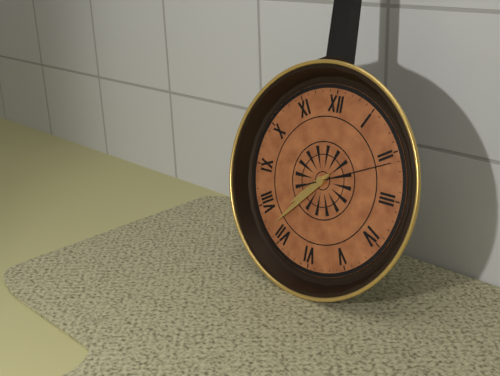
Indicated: 7 h 37 min 11 s
